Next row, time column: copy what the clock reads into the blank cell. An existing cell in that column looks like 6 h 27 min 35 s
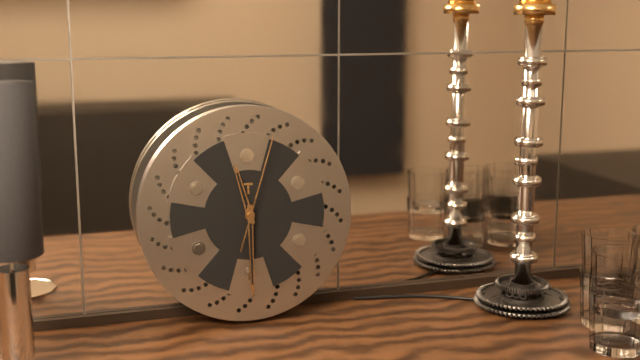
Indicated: 11 h 30 min 03 s
